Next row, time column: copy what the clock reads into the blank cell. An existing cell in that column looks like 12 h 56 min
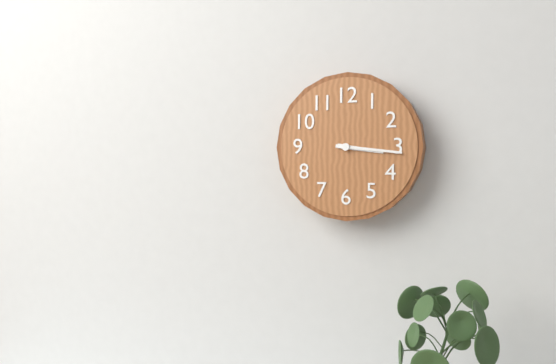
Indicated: 3 h 16 min
